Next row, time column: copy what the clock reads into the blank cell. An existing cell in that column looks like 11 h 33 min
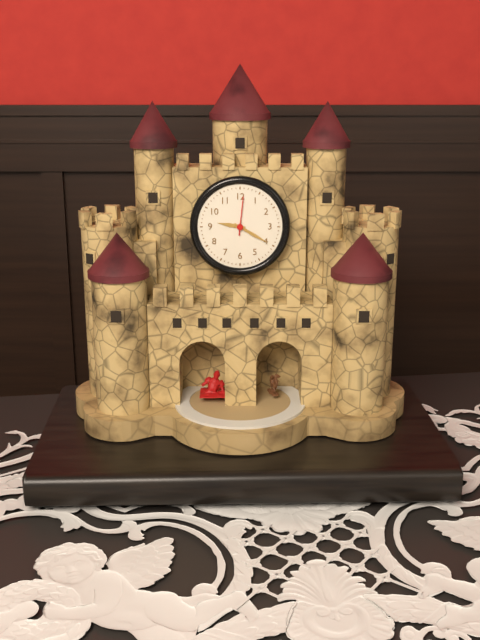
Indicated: 9 h 20 min
